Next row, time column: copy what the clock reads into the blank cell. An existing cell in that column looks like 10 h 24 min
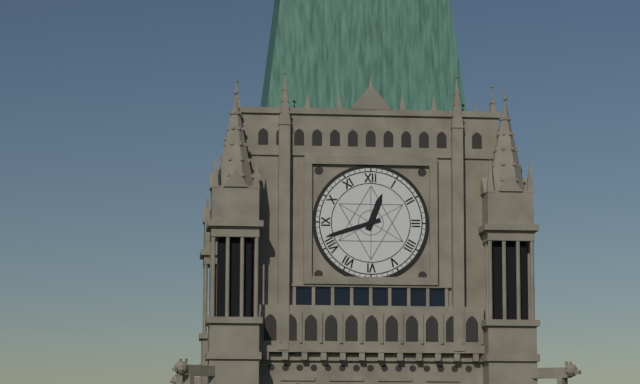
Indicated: 12 h 42 min
